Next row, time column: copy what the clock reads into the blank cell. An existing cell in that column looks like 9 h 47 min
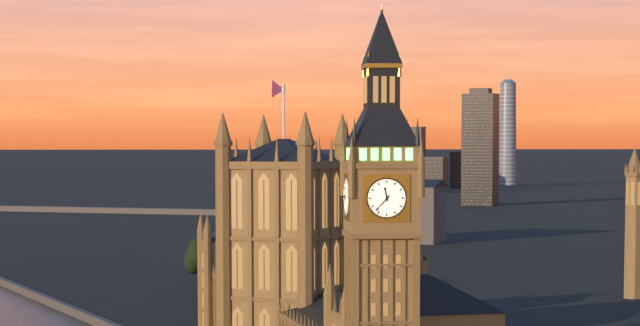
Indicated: 11 h 37 min
